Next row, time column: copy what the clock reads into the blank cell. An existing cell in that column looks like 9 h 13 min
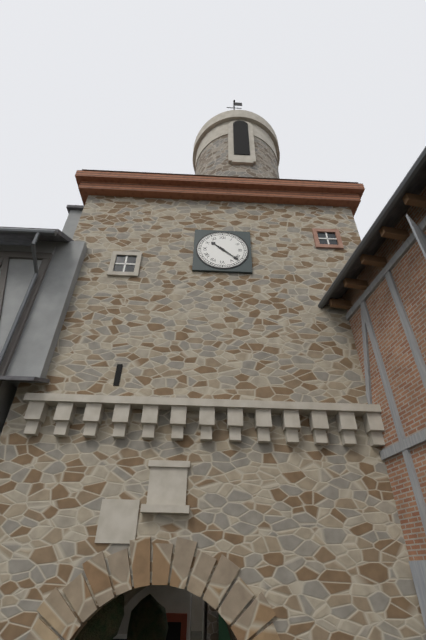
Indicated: 10 h 22 min
